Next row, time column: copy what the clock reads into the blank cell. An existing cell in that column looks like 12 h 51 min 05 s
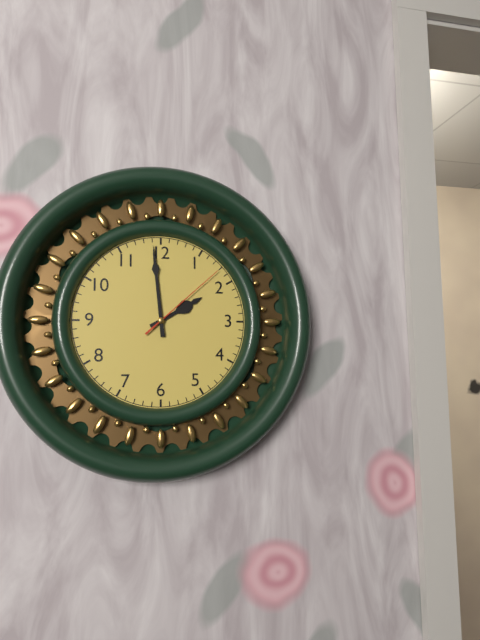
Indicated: 1 h 59 min 08 s
